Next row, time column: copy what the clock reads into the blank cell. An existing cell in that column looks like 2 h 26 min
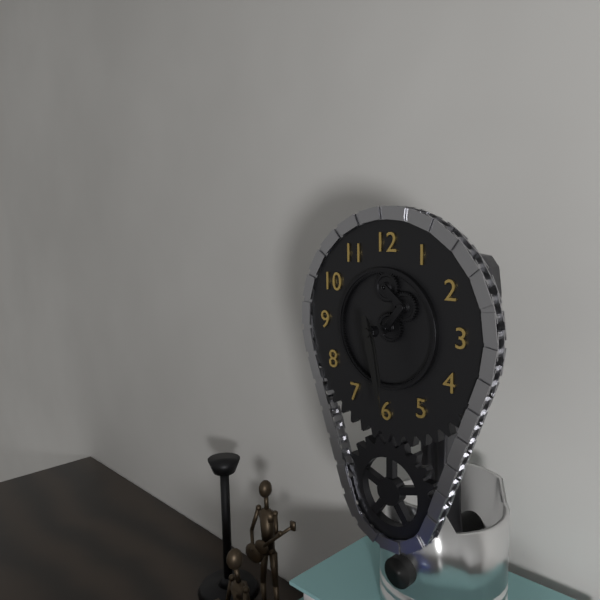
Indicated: 5 h 28 min
